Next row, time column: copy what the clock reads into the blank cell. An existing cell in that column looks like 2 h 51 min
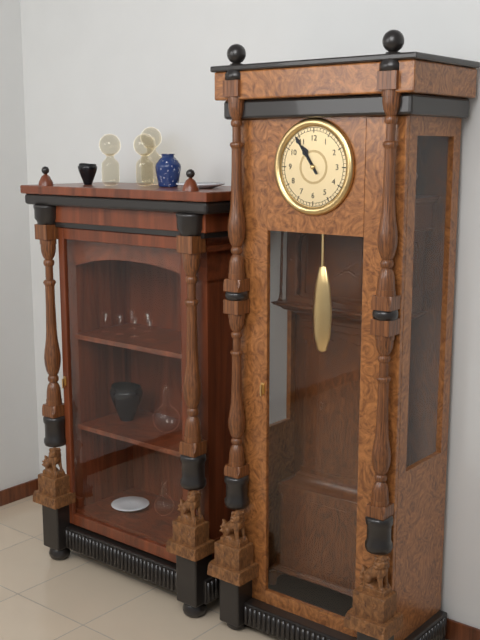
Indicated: 10 h 54 min
